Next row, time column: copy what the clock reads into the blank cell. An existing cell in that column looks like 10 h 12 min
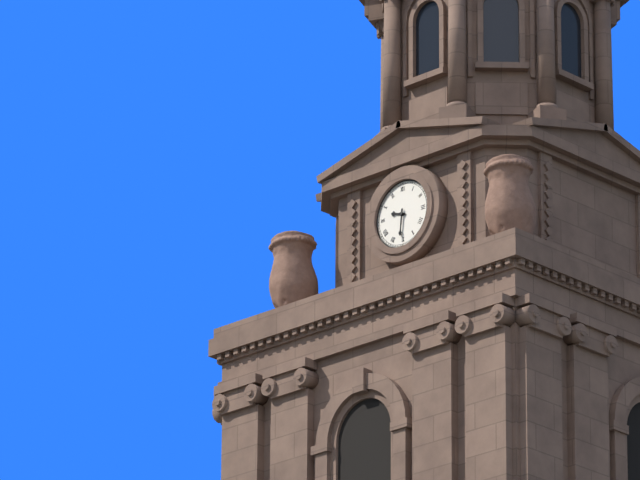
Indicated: 9 h 31 min
